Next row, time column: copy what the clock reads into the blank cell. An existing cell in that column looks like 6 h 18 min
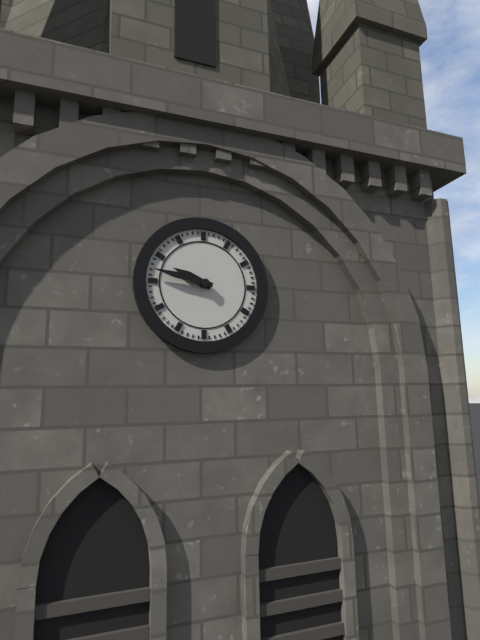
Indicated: 9 h 47 min
